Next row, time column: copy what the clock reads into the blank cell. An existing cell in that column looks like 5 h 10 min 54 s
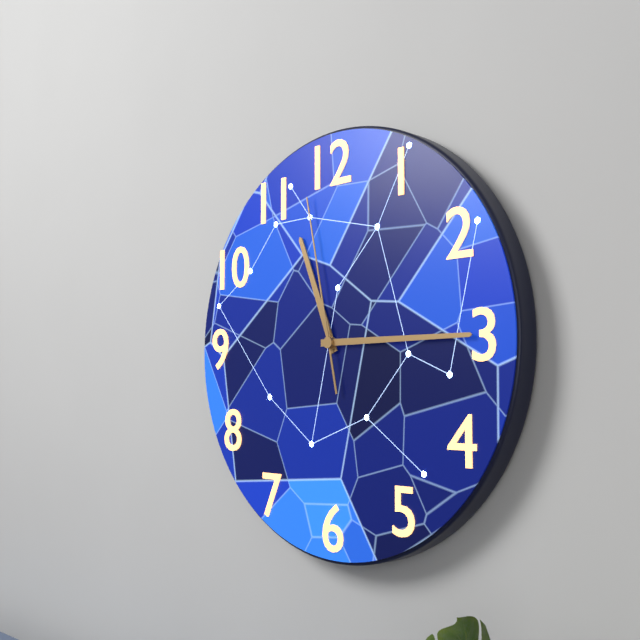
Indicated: 11 h 15 min 58 s
